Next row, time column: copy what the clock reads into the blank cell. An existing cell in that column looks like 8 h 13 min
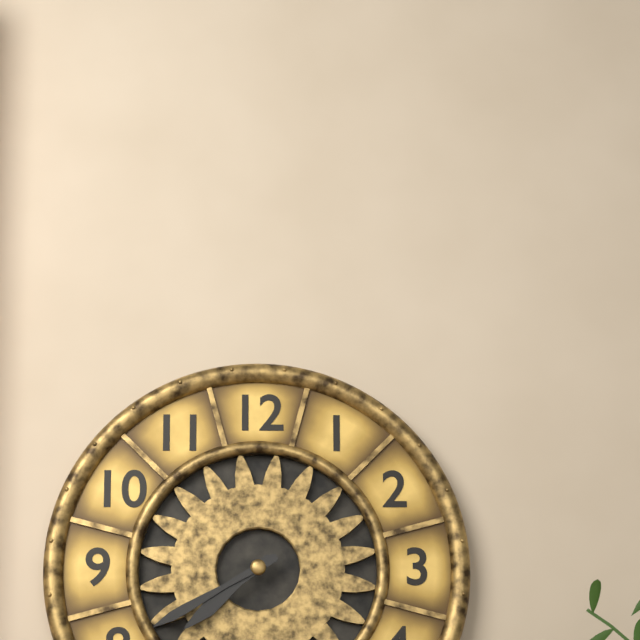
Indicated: 7 h 40 min
